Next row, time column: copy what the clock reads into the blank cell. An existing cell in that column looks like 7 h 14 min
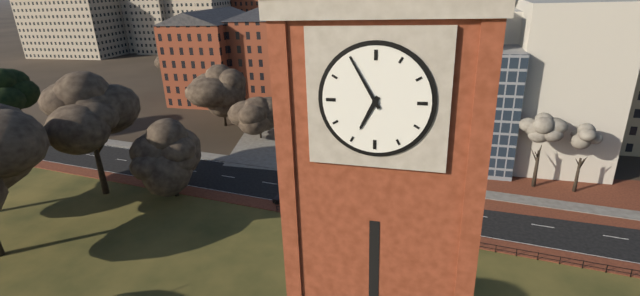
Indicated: 6 h 55 min
